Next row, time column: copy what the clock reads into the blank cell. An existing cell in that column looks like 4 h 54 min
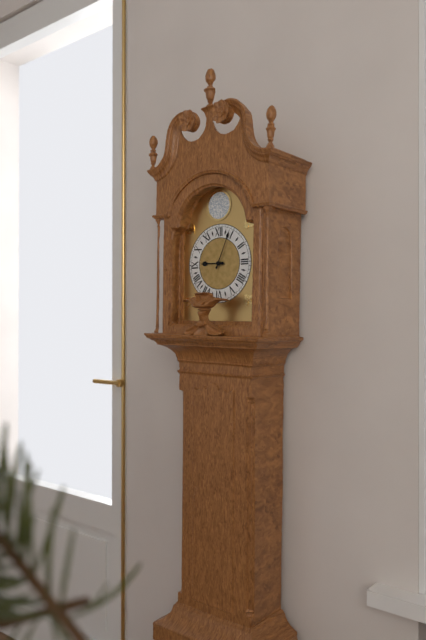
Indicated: 9 h 04 min
